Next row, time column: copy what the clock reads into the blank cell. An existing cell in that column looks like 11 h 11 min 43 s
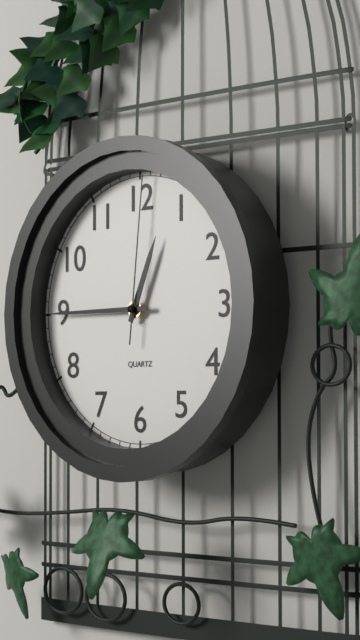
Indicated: 12 h 45 min 01 s
